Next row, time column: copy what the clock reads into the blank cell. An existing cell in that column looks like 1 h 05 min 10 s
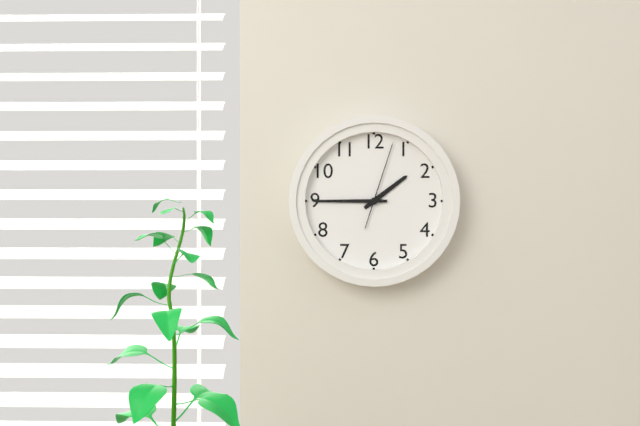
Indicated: 1 h 45 min 03 s
